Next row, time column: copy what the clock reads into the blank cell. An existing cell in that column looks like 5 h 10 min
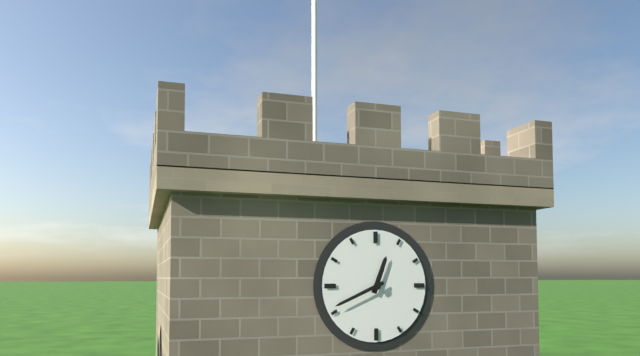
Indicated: 12 h 41 min
